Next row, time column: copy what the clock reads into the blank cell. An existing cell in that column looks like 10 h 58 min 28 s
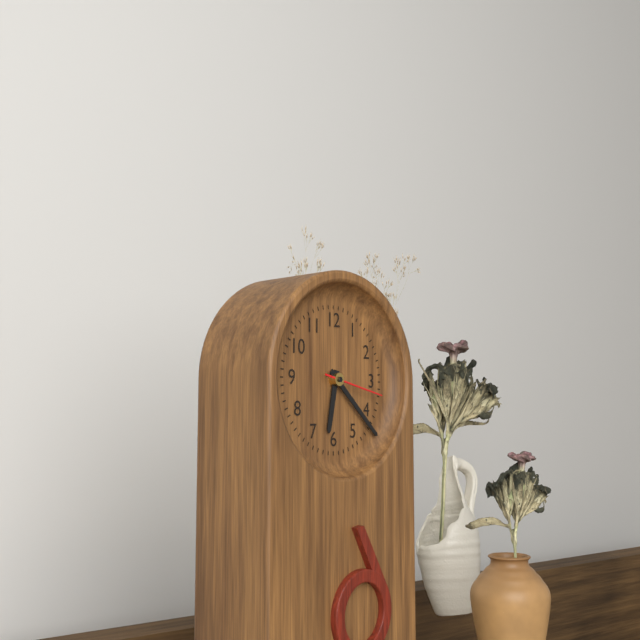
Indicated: 6 h 22 min 17 s
